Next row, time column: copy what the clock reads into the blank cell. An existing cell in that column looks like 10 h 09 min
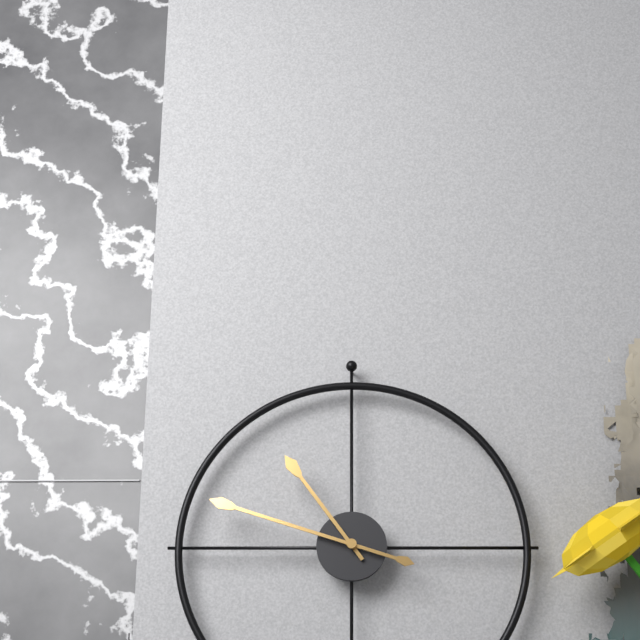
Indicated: 10 h 48 min
